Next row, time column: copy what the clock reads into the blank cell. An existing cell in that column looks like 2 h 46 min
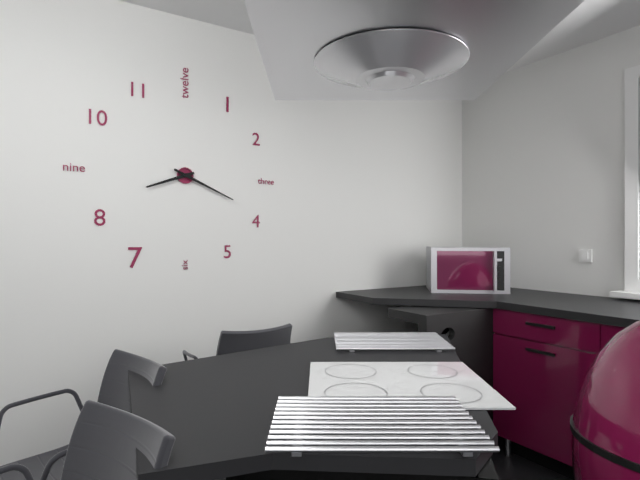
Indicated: 8 h 19 min
